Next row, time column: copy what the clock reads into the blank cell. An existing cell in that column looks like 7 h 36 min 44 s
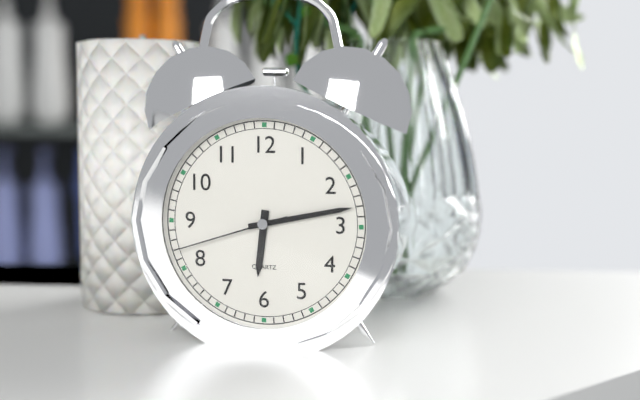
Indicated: 6 h 13 min 42 s
